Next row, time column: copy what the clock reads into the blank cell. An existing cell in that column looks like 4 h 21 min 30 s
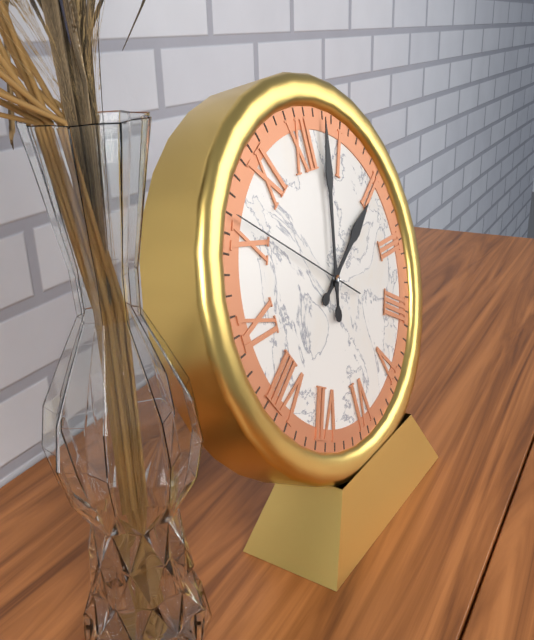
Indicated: 2 h 03 min 51 s
